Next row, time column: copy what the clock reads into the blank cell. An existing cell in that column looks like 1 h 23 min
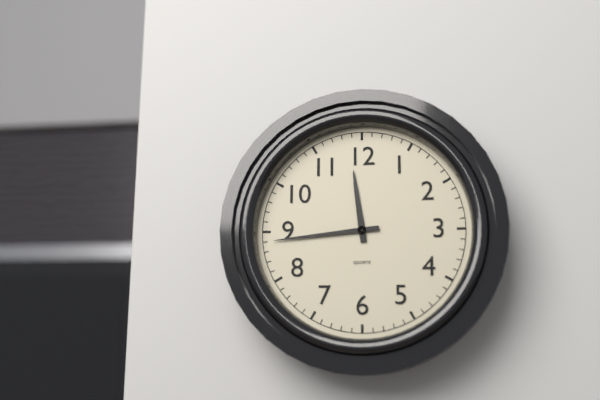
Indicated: 11 h 44 min
